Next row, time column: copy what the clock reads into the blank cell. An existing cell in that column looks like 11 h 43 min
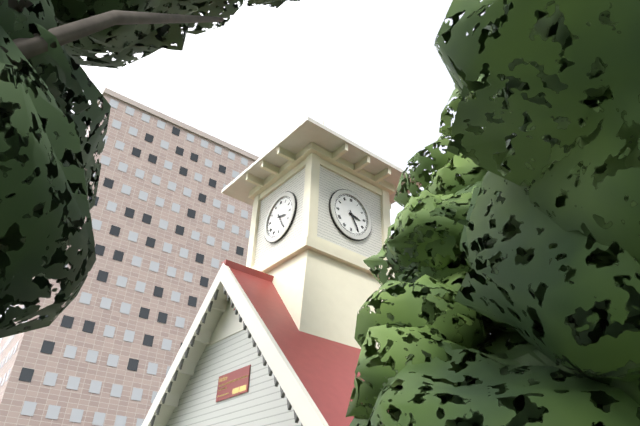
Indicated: 3 h 25 min
